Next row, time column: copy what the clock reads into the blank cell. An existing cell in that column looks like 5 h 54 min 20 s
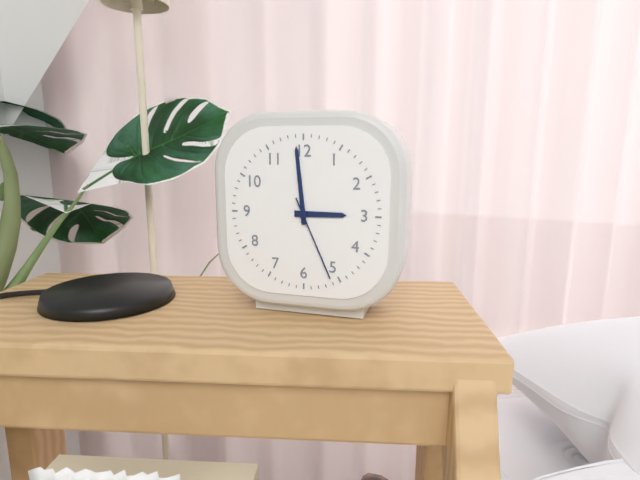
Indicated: 2 h 59 min 26 s
